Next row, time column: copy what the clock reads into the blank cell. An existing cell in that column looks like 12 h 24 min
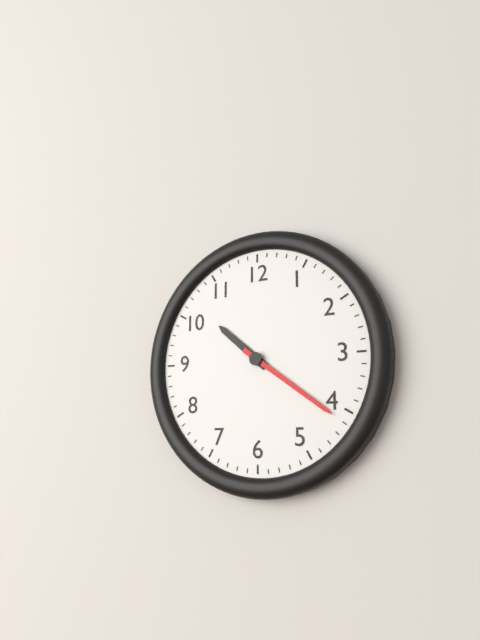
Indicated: 10 h 21 min
